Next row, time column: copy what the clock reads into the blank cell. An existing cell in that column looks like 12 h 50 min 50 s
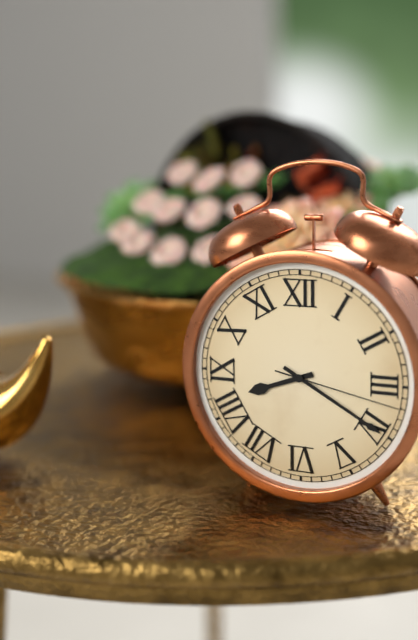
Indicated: 8 h 20 min 17 s
